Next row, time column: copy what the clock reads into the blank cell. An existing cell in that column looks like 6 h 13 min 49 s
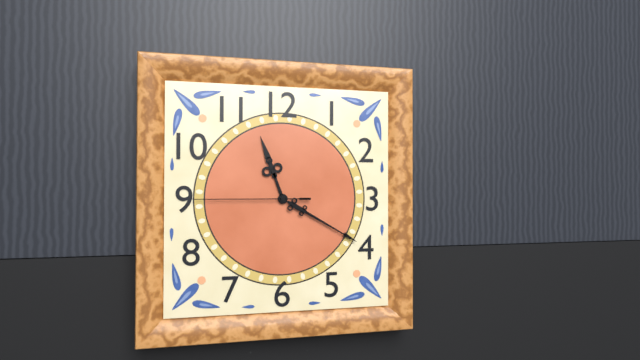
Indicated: 11 h 20 min 45 s
